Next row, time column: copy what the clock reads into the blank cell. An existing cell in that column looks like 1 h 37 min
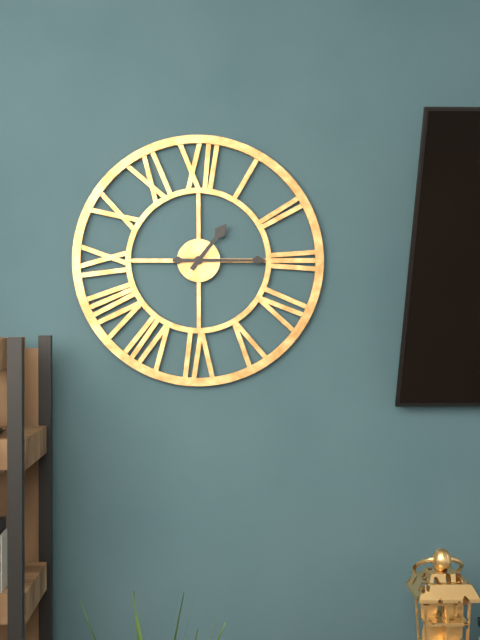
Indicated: 1 h 15 min
